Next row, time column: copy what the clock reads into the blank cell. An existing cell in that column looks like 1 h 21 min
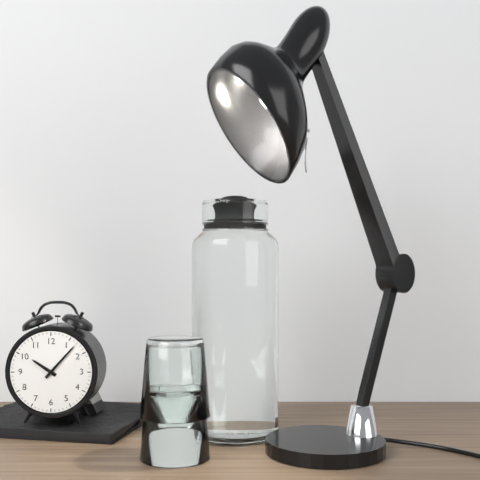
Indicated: 10 h 07 min
